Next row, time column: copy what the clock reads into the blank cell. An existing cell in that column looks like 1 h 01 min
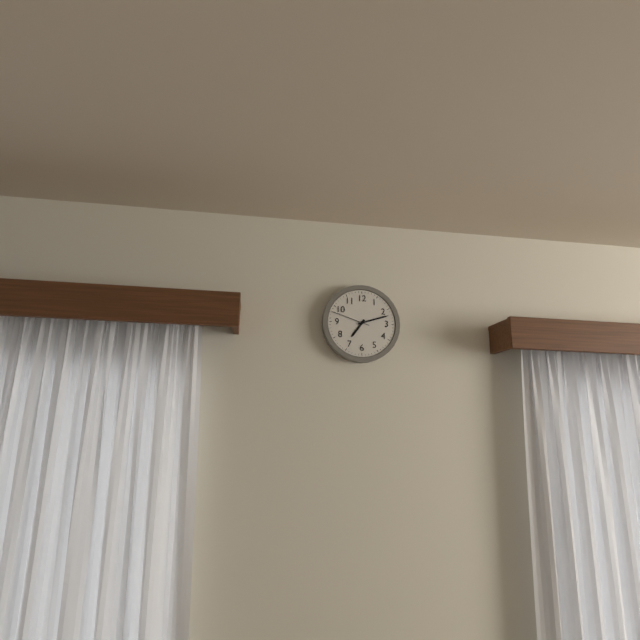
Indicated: 7 h 12 min
